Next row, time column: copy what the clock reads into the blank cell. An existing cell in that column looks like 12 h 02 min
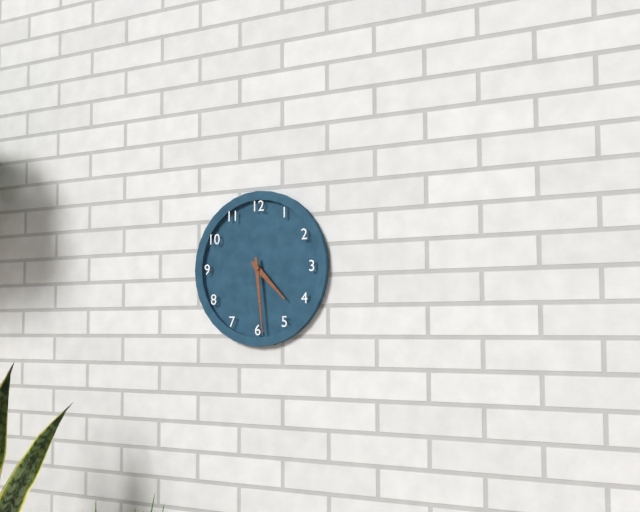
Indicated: 4 h 29 min
